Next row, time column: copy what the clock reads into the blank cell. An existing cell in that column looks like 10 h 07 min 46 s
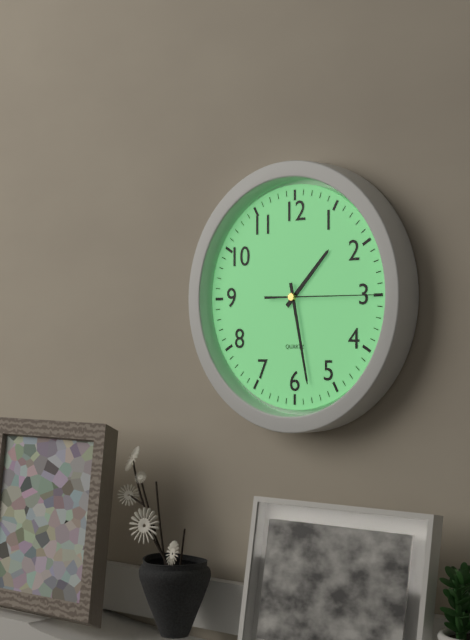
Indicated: 1 h 28 min 15 s
